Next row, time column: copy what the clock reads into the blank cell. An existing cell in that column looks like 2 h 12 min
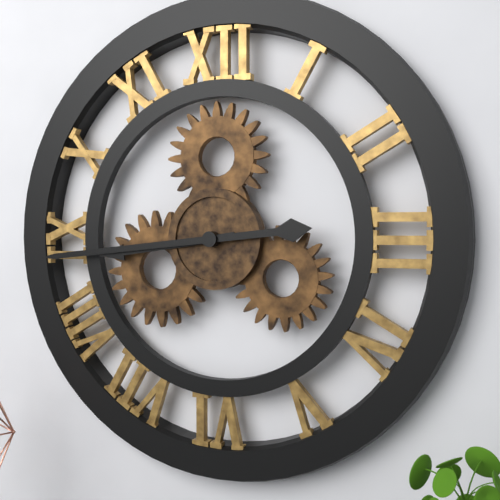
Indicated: 8 h 44 min
